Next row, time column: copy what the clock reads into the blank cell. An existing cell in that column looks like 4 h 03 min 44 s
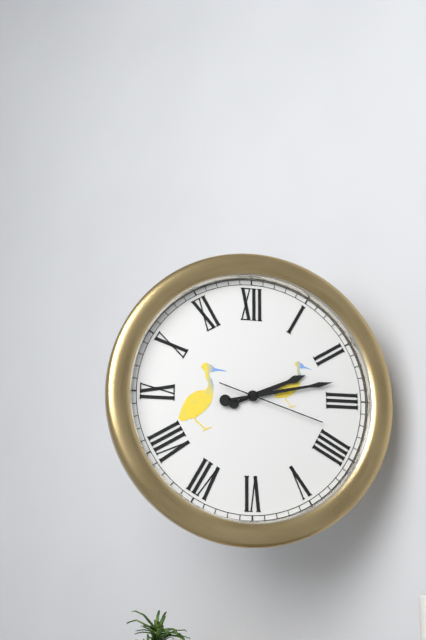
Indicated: 2 h 13 min 18 s
